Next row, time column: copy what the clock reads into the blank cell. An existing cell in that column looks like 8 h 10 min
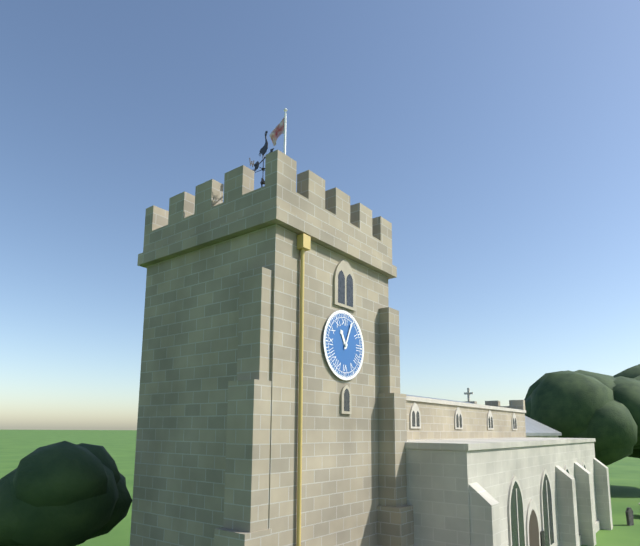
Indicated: 11 h 04 min
